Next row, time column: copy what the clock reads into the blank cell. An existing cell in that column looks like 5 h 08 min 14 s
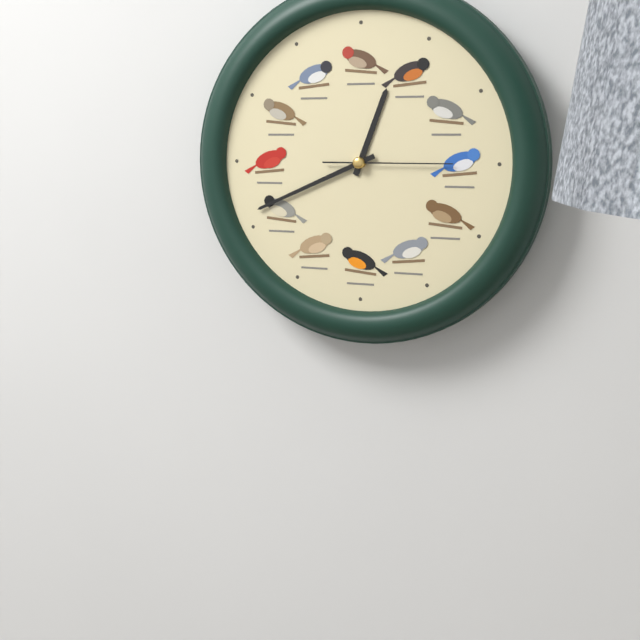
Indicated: 12 h 41 min 15 s
